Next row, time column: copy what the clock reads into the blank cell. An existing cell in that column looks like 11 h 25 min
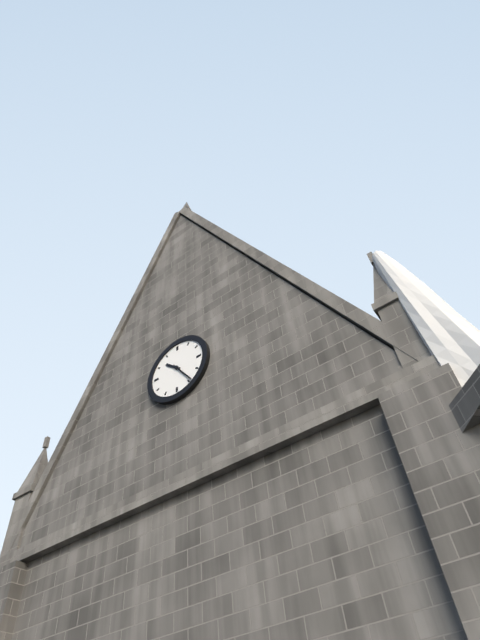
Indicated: 10 h 24 min
